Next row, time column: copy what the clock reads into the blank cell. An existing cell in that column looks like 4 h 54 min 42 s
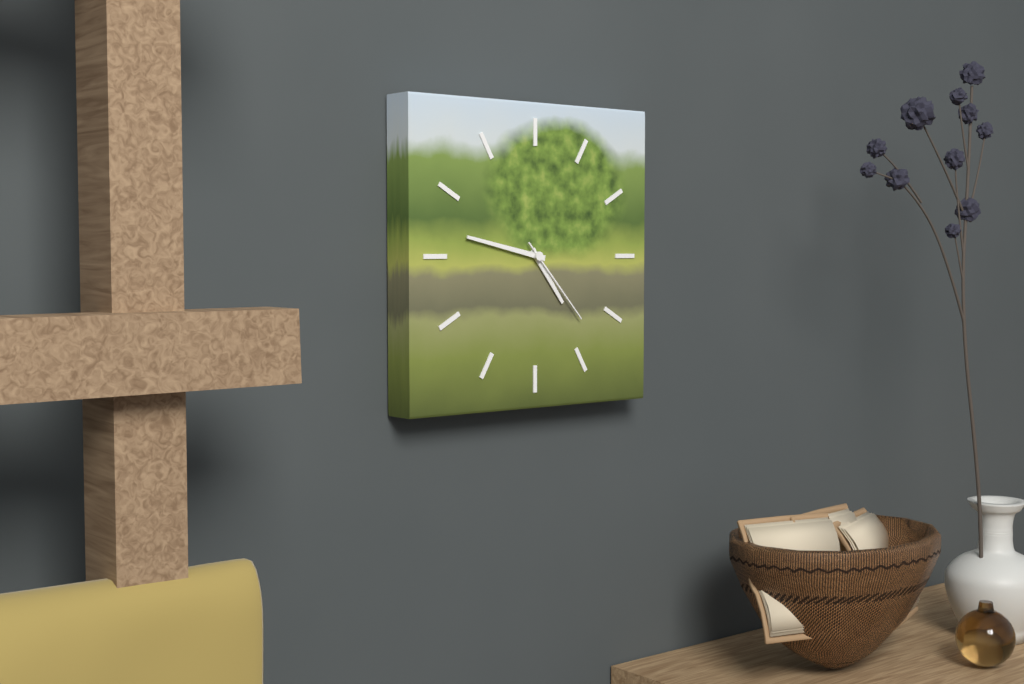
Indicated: 4 h 47 min 23 s
